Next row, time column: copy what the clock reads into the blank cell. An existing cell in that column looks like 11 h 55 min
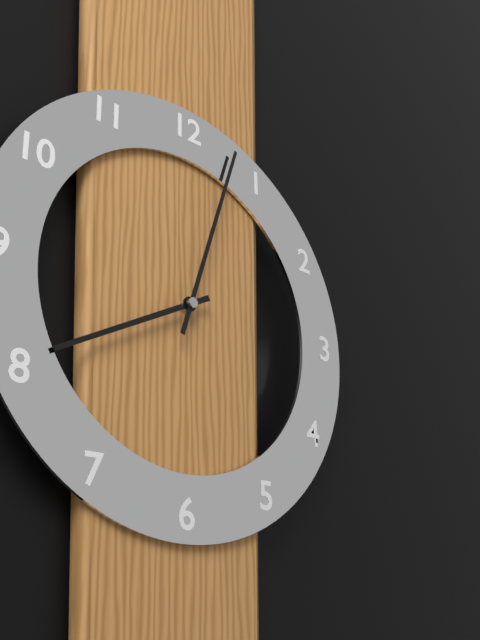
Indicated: 8 h 03 min
